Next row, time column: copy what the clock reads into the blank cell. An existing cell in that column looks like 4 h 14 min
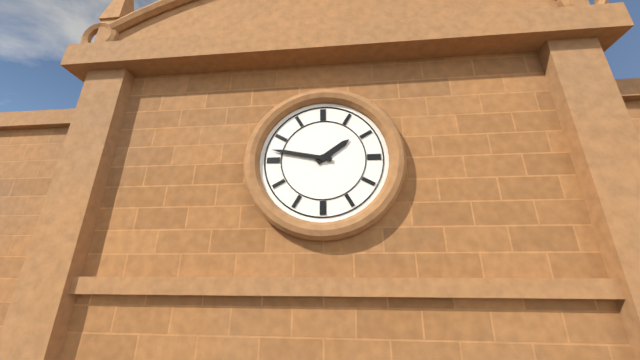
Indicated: 1 h 47 min
